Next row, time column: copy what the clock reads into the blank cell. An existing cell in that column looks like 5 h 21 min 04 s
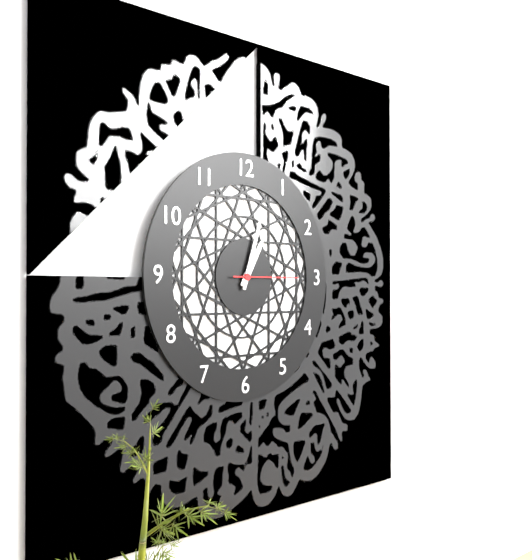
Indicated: 1 h 03 min 15 s
